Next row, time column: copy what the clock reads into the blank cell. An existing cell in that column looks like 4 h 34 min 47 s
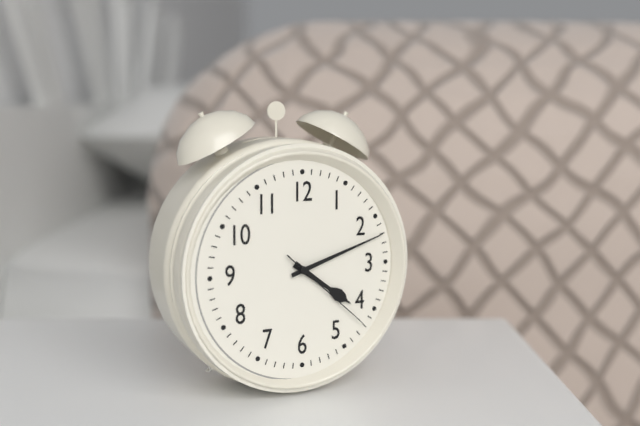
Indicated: 4 h 12 min 22 s
